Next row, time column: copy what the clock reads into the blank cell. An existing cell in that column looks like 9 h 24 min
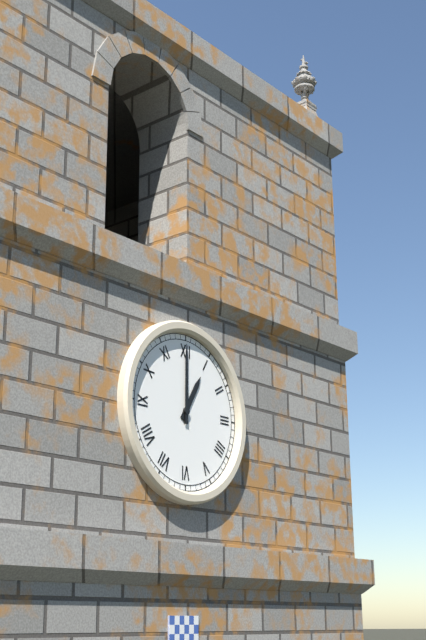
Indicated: 1 h 00 min
